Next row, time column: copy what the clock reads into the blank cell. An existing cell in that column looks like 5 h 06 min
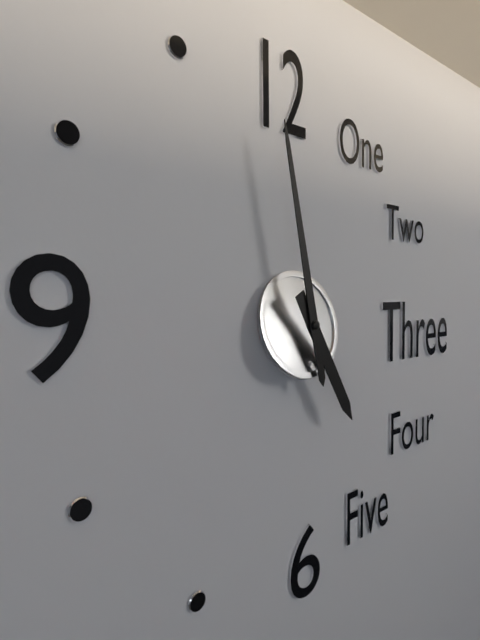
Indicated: 4 h 58 min
